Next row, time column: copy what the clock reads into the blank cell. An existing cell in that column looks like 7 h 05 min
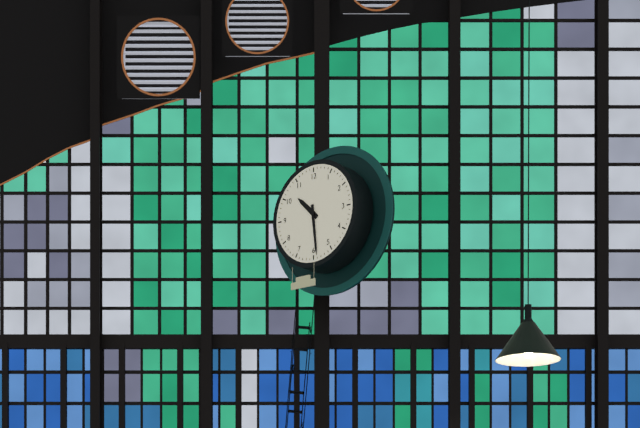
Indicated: 10 h 29 min
